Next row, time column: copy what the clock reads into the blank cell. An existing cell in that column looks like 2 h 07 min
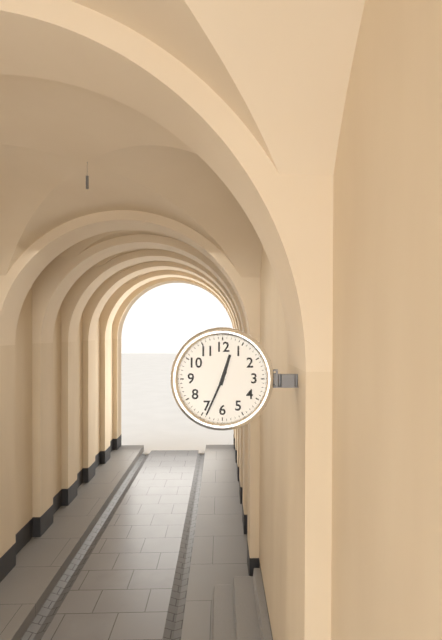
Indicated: 12 h 34 min
